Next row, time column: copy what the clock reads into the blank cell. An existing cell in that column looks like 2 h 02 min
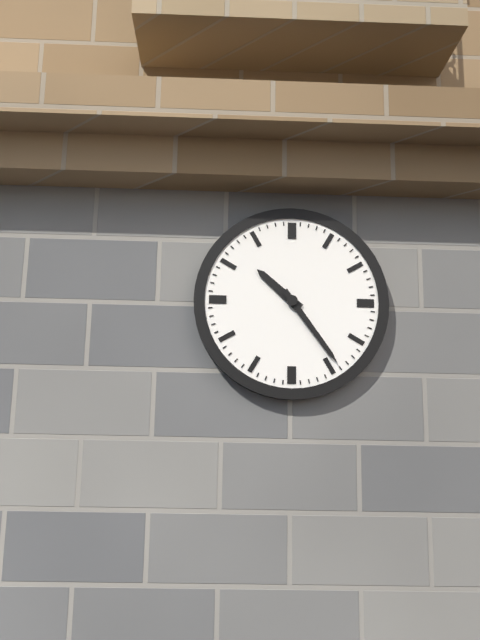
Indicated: 10 h 24 min
